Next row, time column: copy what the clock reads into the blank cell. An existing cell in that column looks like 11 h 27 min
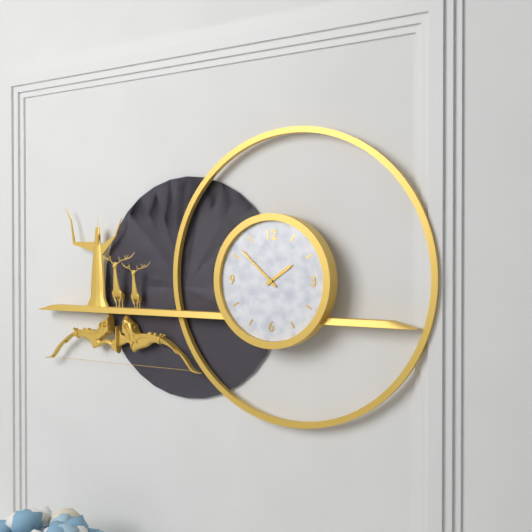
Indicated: 1 h 52 min
